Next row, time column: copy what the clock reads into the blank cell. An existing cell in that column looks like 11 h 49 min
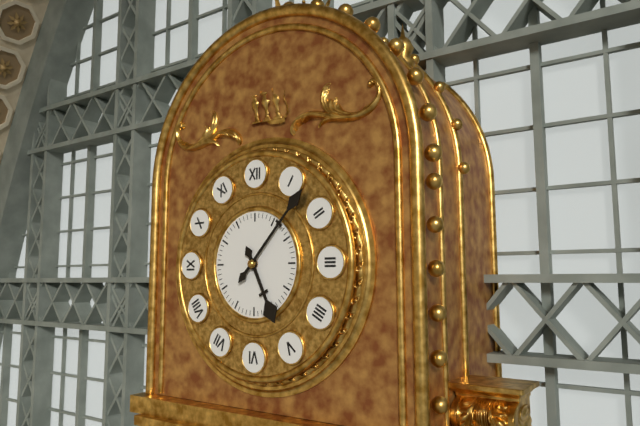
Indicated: 5 h 07 min
